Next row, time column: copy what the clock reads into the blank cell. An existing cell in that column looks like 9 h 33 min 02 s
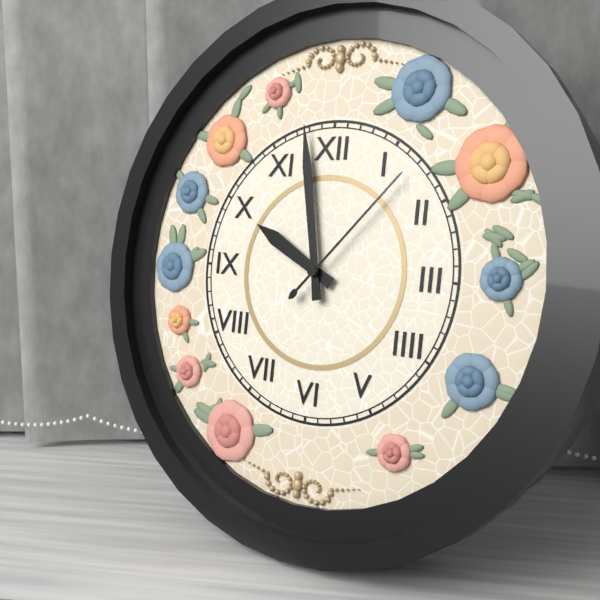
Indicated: 9 h 58 min 07 s
